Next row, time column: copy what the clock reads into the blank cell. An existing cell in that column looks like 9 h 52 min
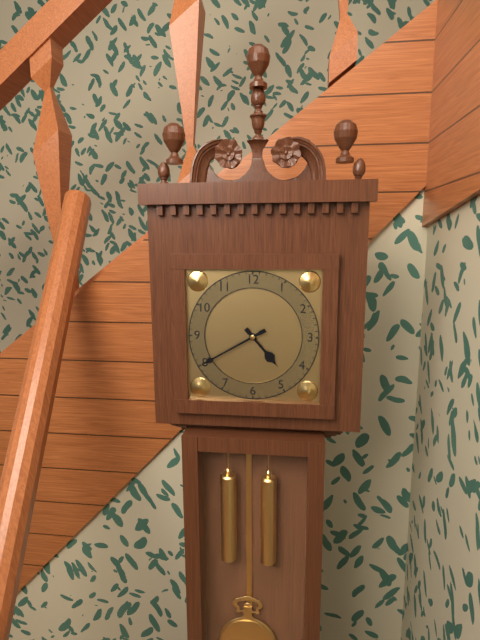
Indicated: 4 h 40 min
